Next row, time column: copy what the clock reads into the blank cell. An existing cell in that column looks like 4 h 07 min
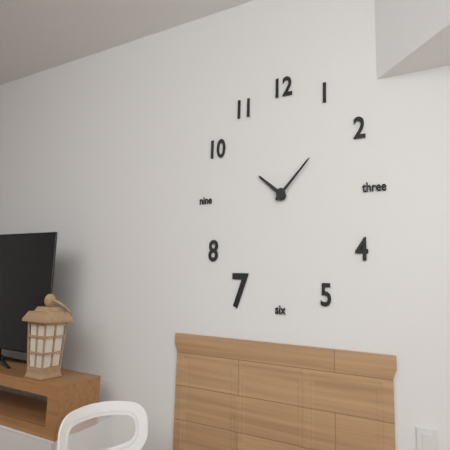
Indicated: 10 h 08 min
